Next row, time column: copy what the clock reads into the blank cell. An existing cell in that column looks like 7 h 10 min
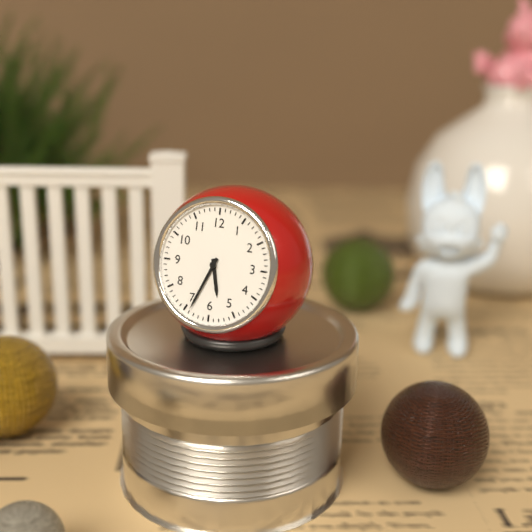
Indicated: 5 h 34 min
